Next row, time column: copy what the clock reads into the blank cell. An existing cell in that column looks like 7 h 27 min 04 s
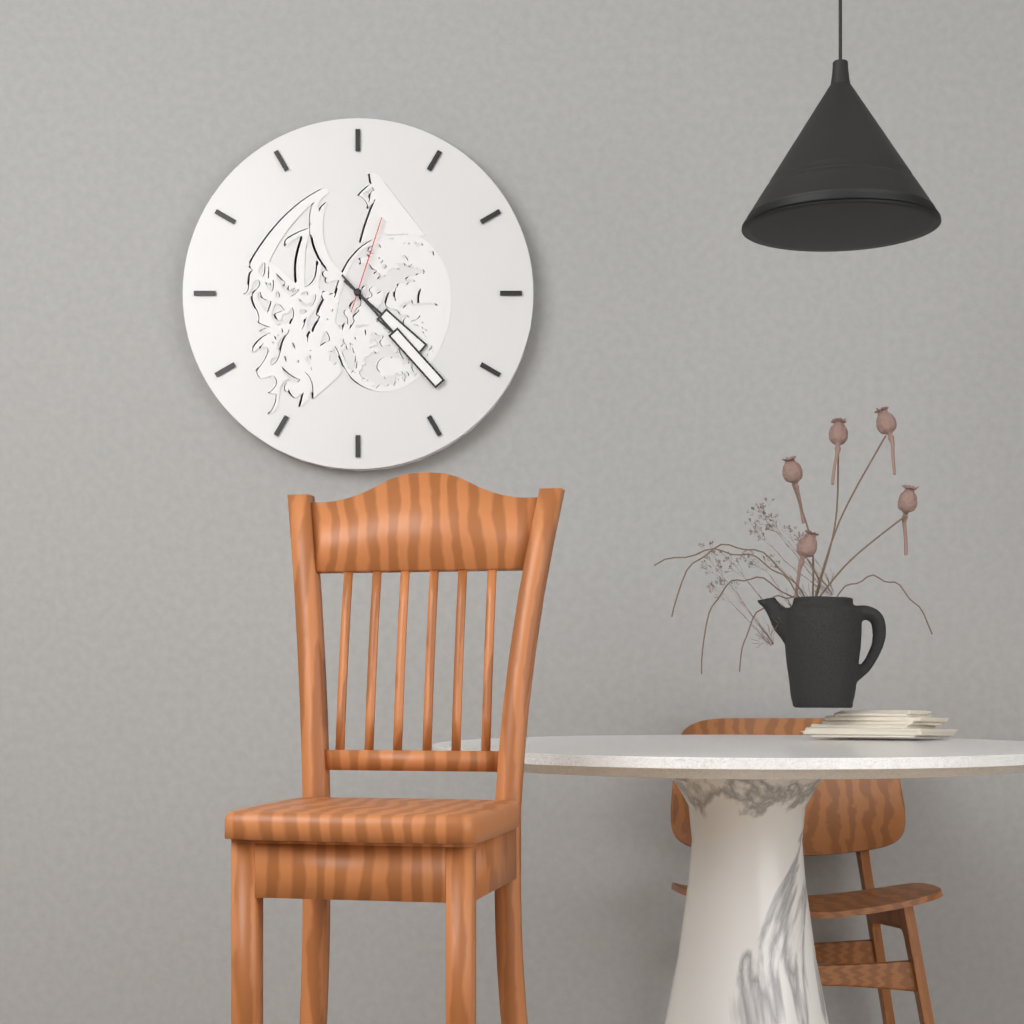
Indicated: 4 h 23 min 03 s
